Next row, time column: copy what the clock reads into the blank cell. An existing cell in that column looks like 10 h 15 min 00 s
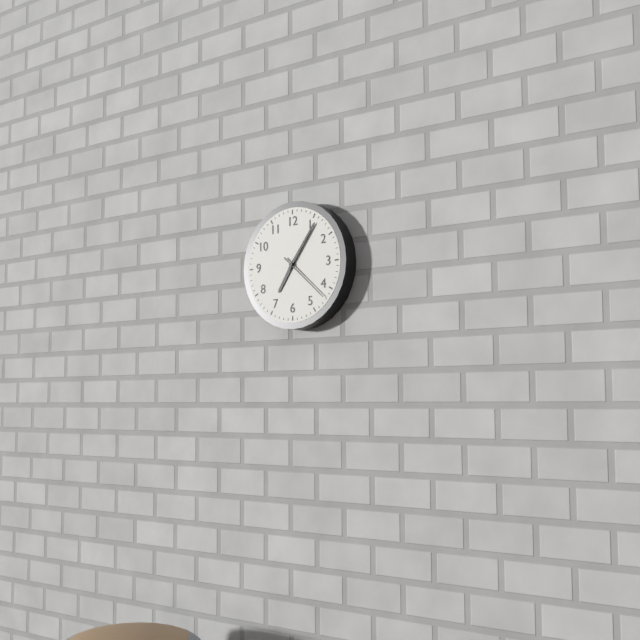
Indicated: 7 h 06 min 22 s
